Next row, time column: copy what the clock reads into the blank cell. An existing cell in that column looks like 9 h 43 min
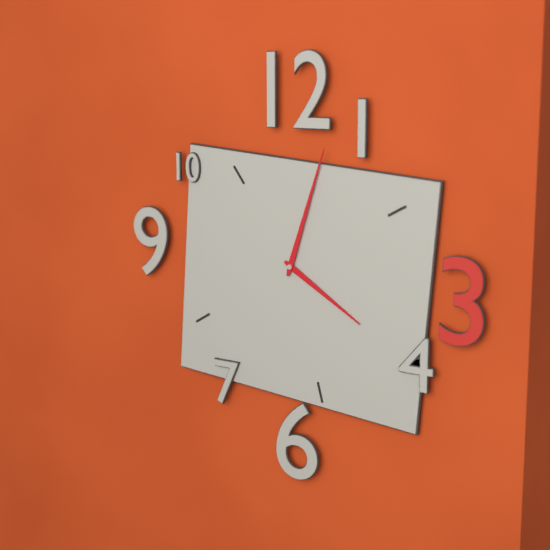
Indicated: 4 h 03 min
